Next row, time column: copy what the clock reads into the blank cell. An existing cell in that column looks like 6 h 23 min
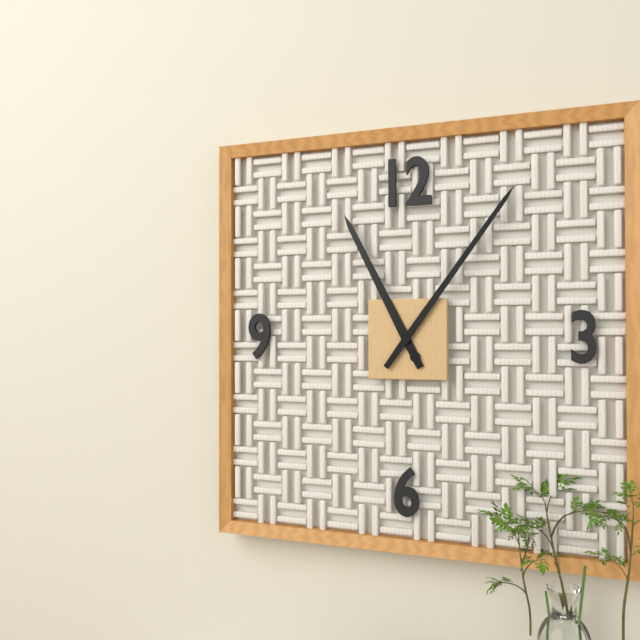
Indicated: 11 h 06 min
